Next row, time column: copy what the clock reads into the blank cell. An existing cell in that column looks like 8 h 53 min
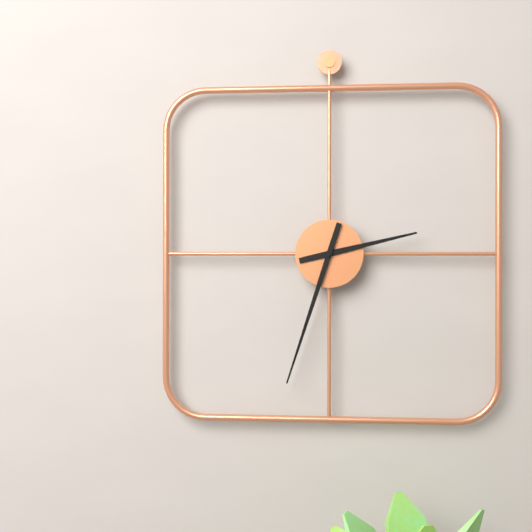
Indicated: 2 h 33 min
